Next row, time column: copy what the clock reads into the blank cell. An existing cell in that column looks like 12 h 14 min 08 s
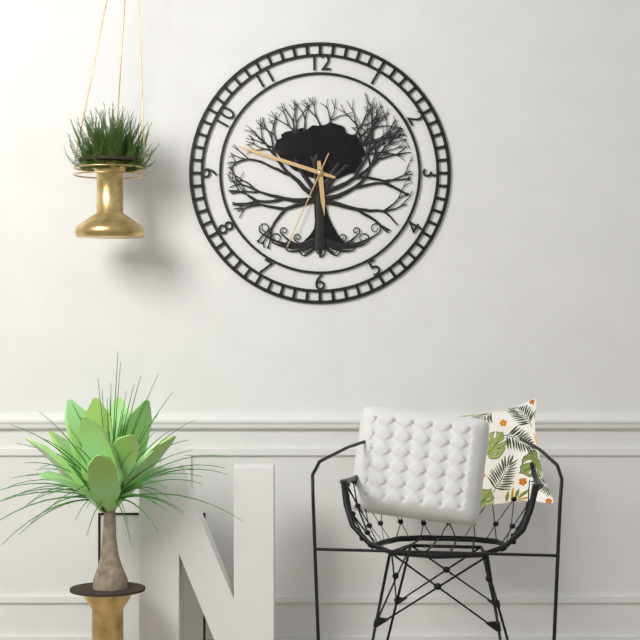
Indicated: 5 h 48 min 34 s
